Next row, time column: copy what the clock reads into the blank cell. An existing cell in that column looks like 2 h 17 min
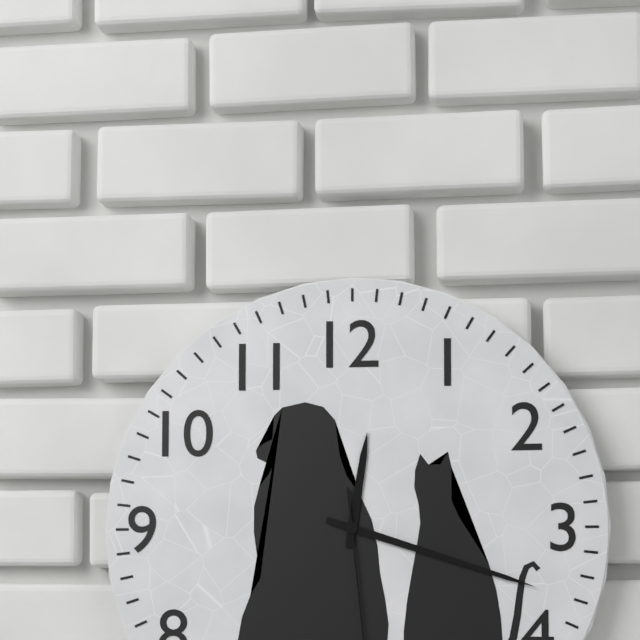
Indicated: 12 h 18 min
